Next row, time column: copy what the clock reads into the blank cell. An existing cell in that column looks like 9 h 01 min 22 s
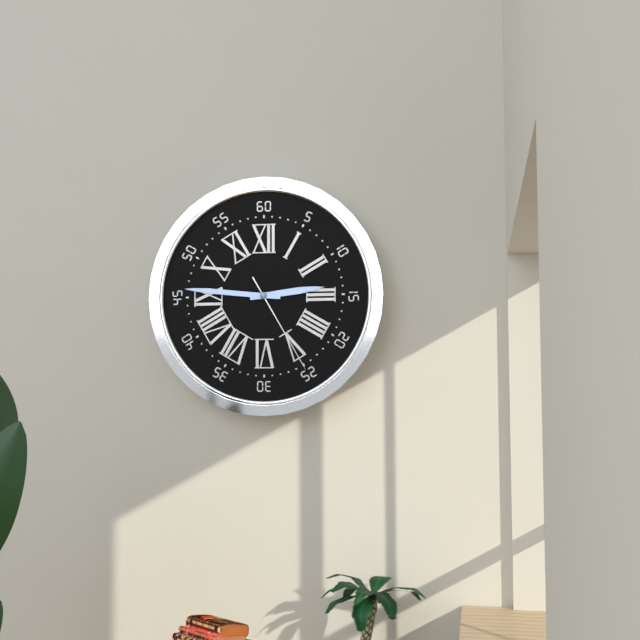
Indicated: 2 h 46 min 25 s
